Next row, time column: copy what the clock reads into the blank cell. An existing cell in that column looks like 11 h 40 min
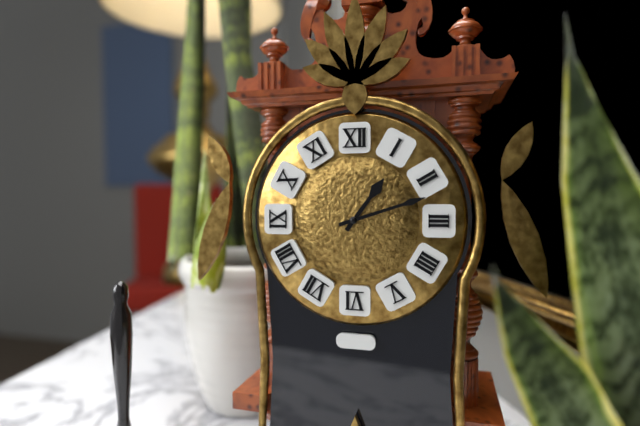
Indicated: 1 h 12 min
